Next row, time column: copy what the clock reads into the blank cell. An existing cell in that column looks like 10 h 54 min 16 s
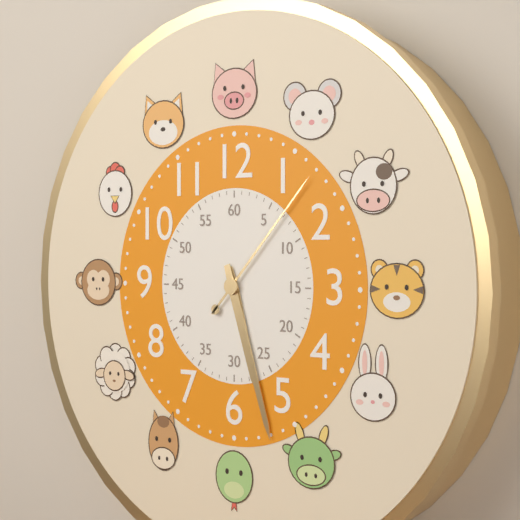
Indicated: 5 h 27 min 07 s
